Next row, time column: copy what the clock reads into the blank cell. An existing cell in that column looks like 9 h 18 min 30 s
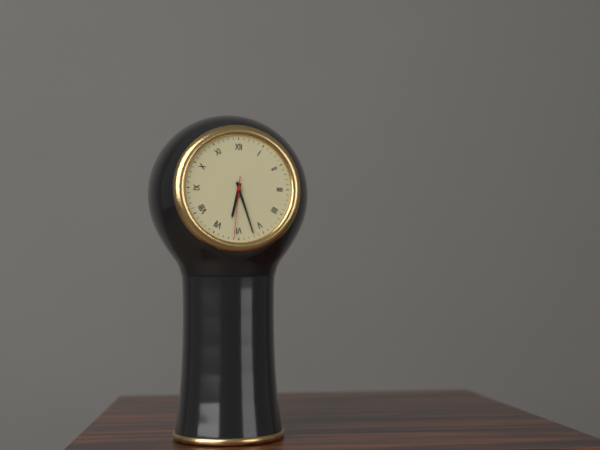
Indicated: 6 h 27 min 31 s
